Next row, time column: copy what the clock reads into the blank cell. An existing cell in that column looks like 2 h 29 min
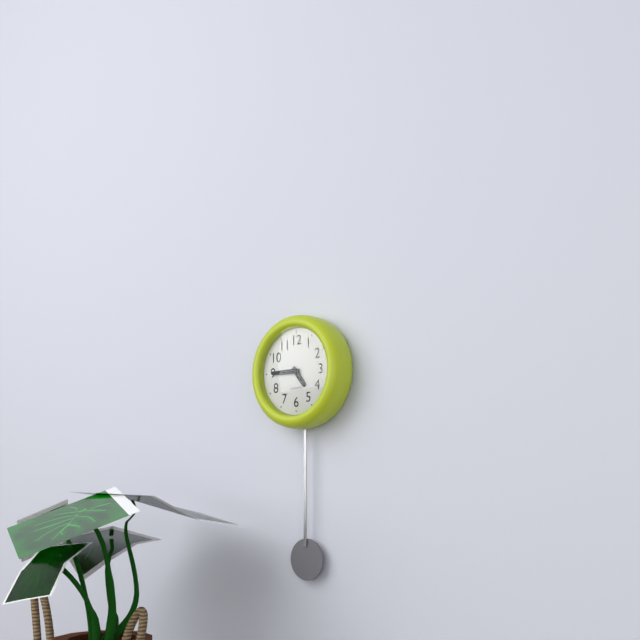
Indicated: 4 h 45 min
